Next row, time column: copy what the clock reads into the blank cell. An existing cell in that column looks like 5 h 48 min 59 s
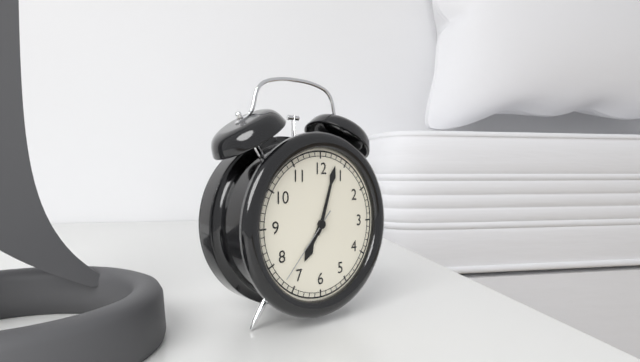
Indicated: 7 h 03 min 37 s
